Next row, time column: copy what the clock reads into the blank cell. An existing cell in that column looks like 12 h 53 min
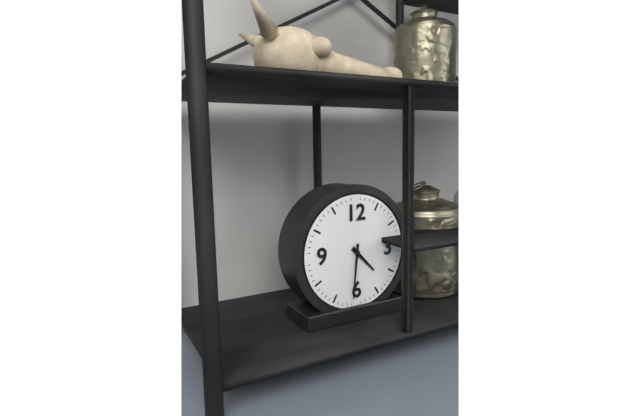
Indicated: 4 h 31 min
